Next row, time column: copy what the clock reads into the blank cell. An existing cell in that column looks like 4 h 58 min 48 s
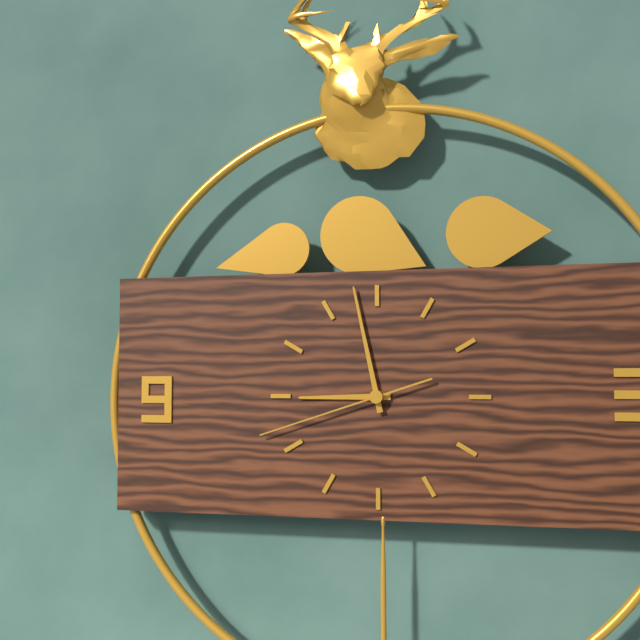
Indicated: 8 h 58 min 42 s
